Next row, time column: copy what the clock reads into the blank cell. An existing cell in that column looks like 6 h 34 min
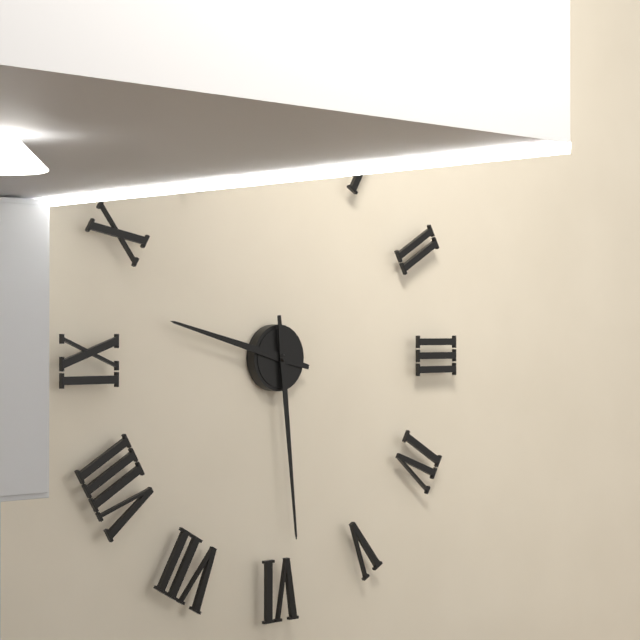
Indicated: 9 h 29 min
